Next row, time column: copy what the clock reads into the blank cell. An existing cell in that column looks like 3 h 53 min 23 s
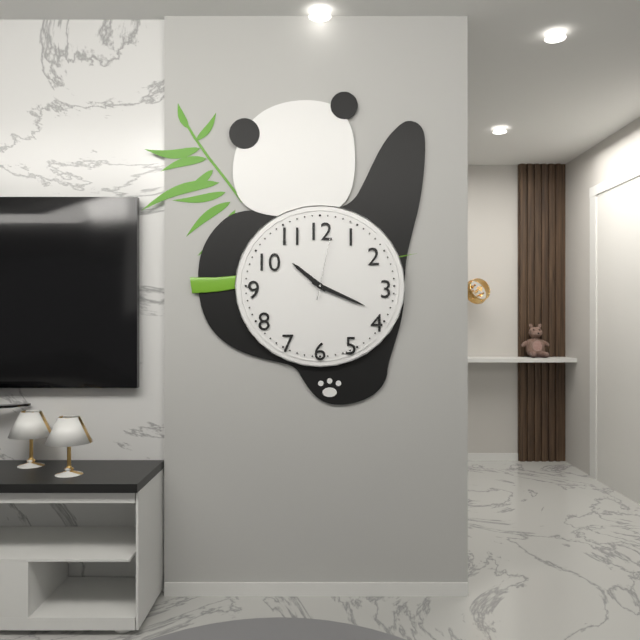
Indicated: 10 h 19 min 02 s
